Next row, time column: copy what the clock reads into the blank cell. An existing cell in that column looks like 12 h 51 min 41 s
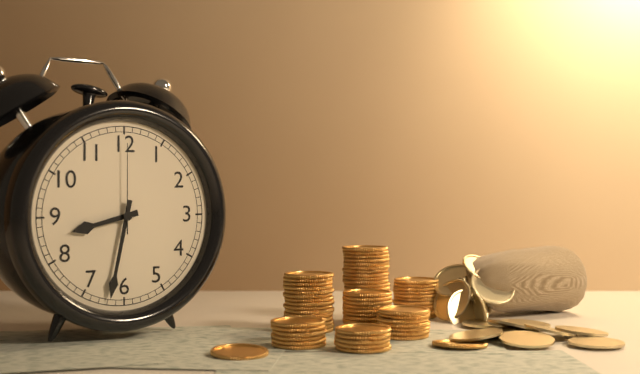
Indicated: 8 h 32 min 00 s
